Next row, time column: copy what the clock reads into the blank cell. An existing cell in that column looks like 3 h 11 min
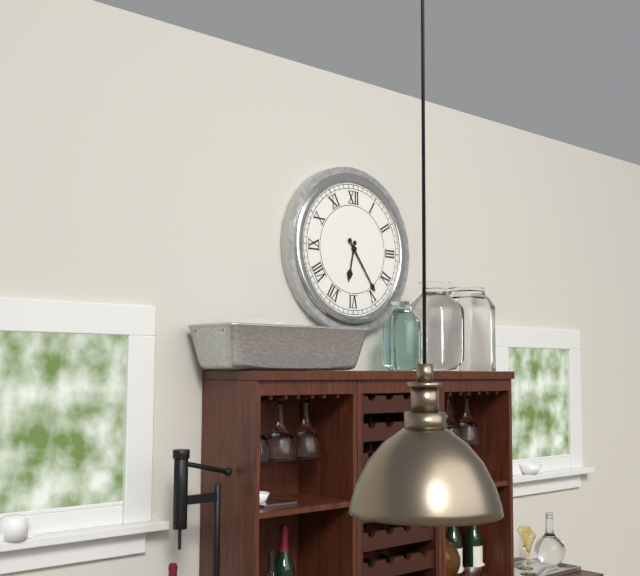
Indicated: 6 h 24 min
